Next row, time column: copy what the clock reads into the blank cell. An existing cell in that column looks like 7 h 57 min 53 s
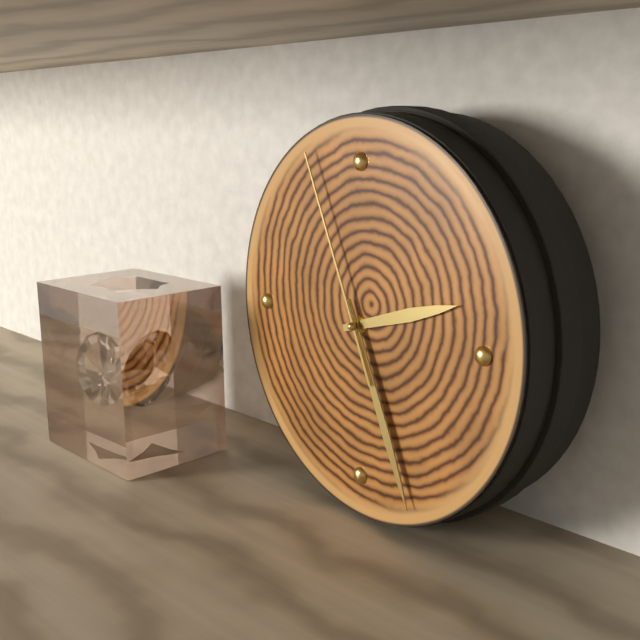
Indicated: 2 h 26 min 56 s
